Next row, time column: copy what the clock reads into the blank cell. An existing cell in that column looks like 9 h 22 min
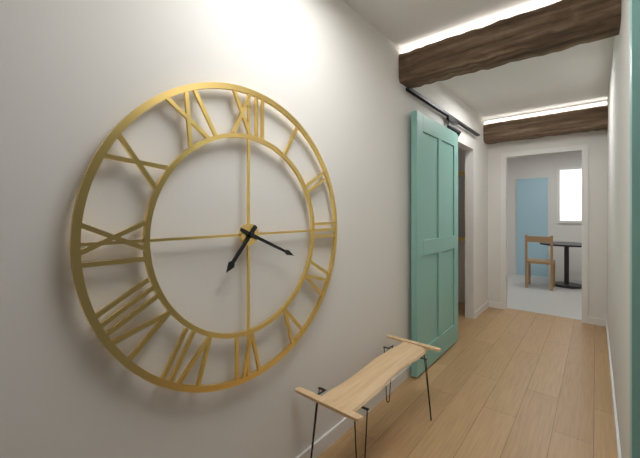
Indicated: 7 h 19 min
